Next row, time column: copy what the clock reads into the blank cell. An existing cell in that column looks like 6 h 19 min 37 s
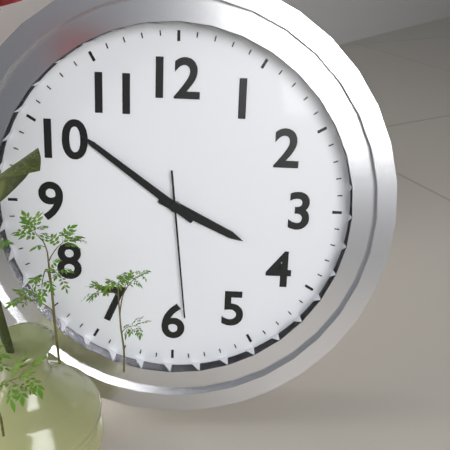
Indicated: 3 h 51 min 29 s
